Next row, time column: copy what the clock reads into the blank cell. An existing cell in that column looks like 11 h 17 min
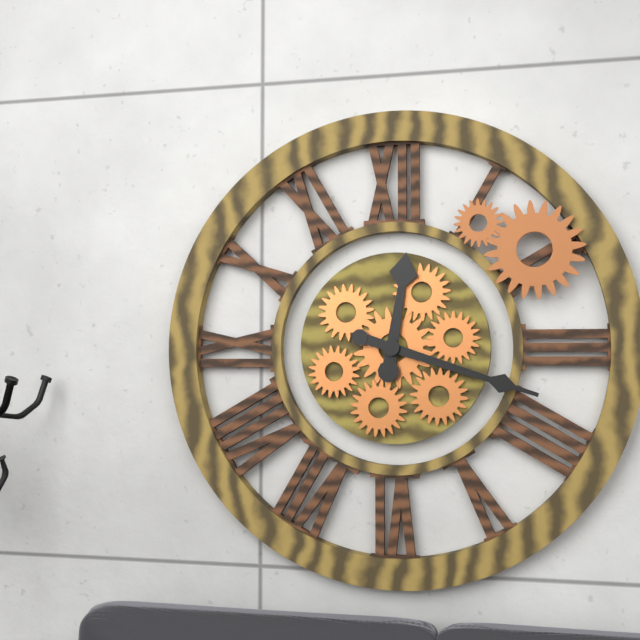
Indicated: 12 h 18 min
